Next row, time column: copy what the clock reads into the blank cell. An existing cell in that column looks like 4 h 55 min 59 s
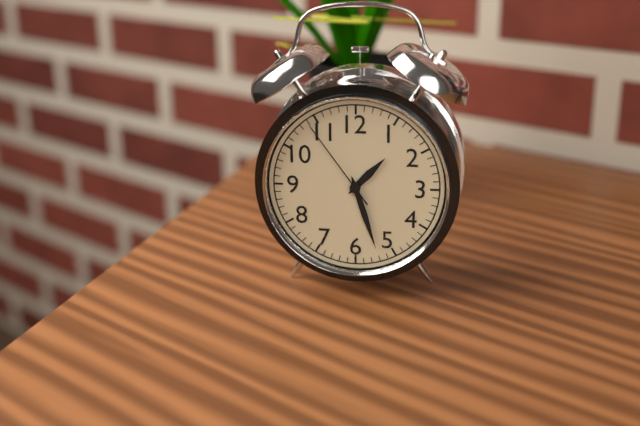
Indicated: 1 h 27 min 54 s
